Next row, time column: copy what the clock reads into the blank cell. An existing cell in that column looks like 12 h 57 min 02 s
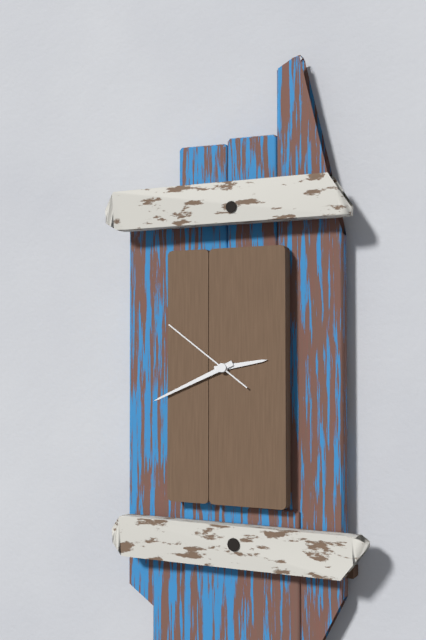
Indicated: 2 h 41 min 51 s
